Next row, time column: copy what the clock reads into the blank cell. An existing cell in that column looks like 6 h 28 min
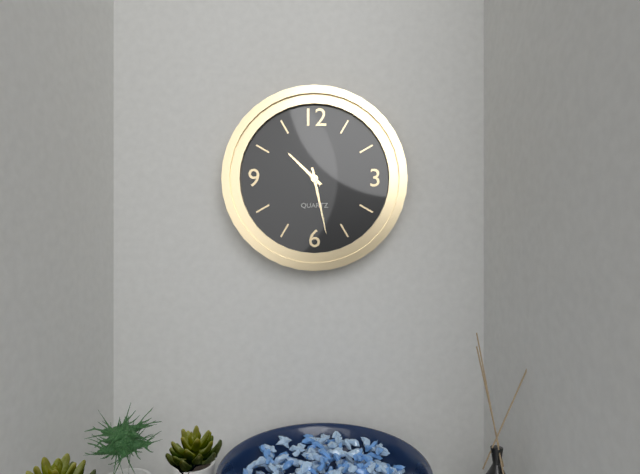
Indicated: 10 h 28 min
